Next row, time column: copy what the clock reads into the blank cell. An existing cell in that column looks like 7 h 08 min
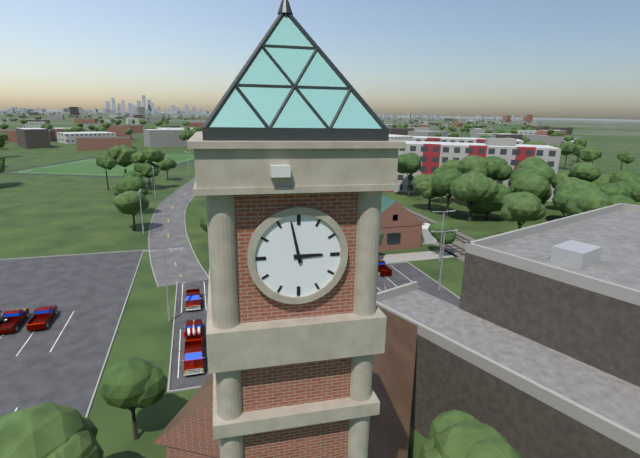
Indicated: 2 h 58 min
